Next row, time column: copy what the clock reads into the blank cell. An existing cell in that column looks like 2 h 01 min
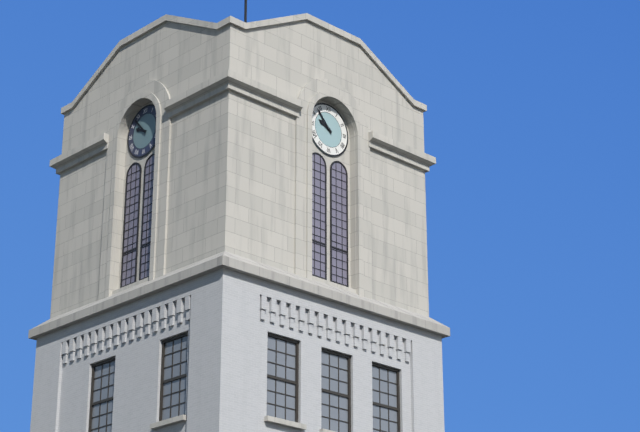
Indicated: 9 h 53 min
